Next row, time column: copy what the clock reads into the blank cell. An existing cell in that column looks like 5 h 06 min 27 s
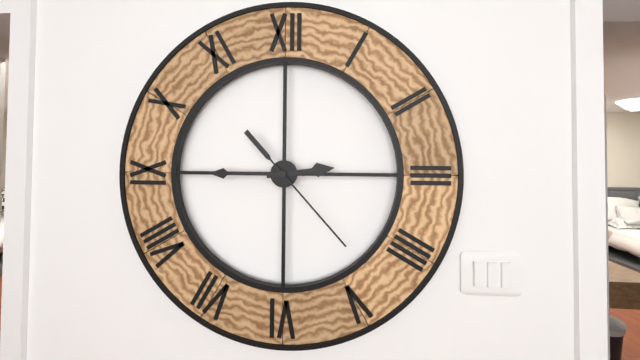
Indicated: 2 h 45 min 23 s
